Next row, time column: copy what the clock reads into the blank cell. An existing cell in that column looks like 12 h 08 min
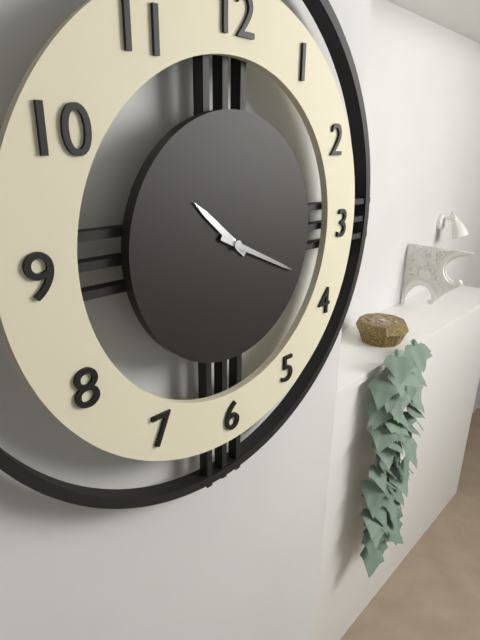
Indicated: 10 h 19 min
